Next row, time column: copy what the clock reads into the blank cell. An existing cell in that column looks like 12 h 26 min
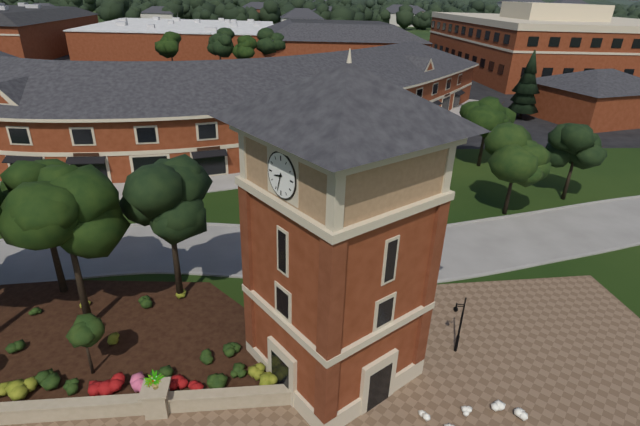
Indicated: 8 h 33 min
